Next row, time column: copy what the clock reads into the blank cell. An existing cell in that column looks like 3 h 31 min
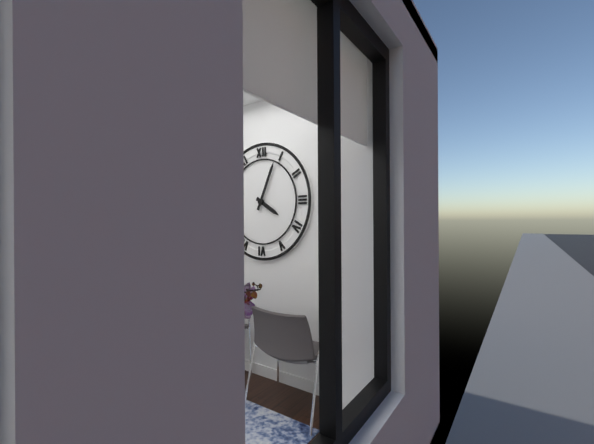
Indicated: 4 h 04 min
